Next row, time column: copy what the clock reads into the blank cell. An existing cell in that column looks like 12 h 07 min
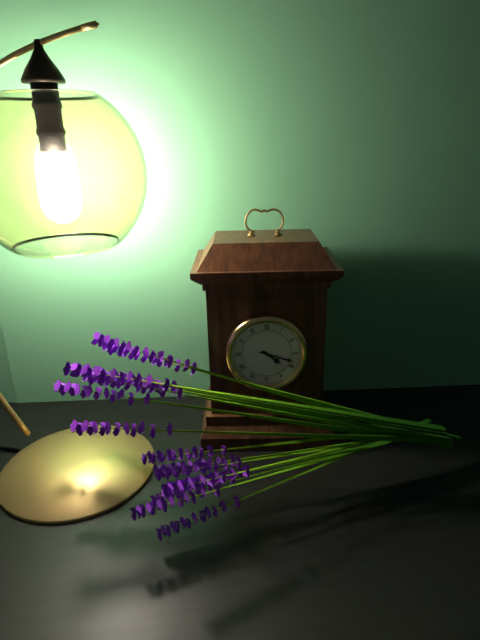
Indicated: 4 h 18 min
